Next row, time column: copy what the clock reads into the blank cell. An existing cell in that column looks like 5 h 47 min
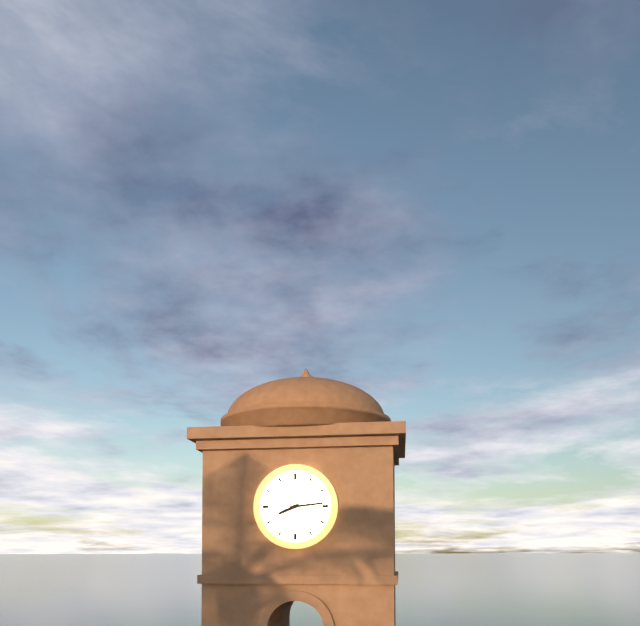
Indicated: 8 h 14 min
